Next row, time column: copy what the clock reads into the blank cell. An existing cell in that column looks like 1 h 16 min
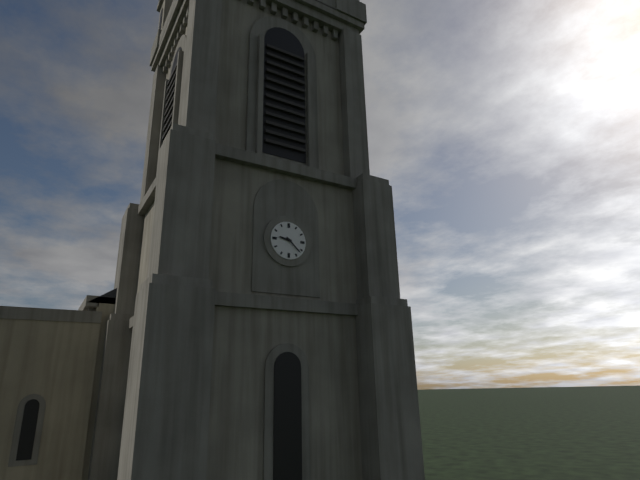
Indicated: 9 h 22 min
